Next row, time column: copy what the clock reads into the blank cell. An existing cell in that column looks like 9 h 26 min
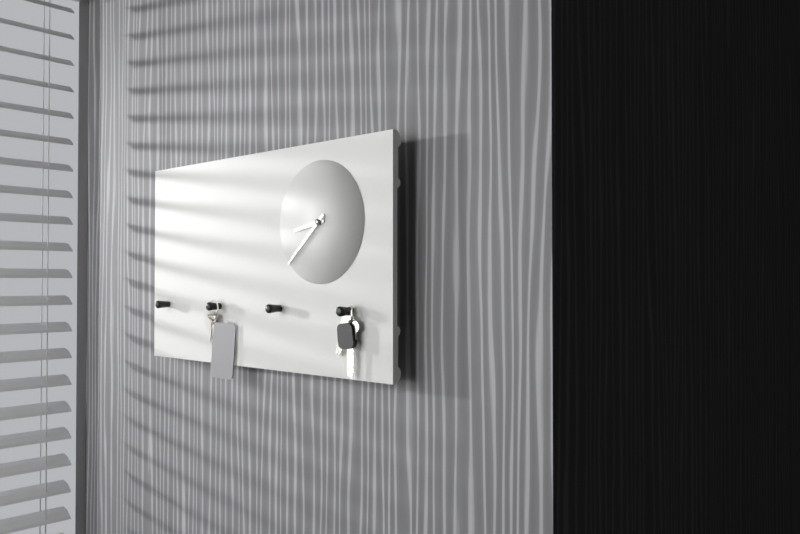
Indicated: 8 h 38 min
